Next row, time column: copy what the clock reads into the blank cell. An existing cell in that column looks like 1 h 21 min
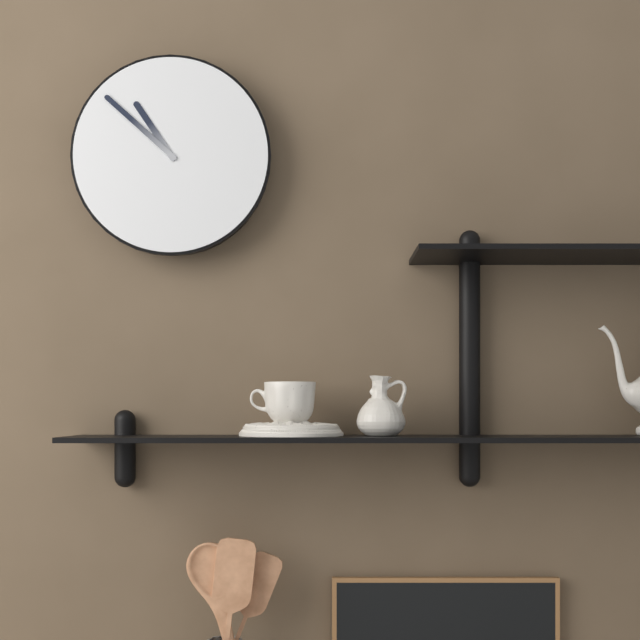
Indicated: 10 h 52 min
